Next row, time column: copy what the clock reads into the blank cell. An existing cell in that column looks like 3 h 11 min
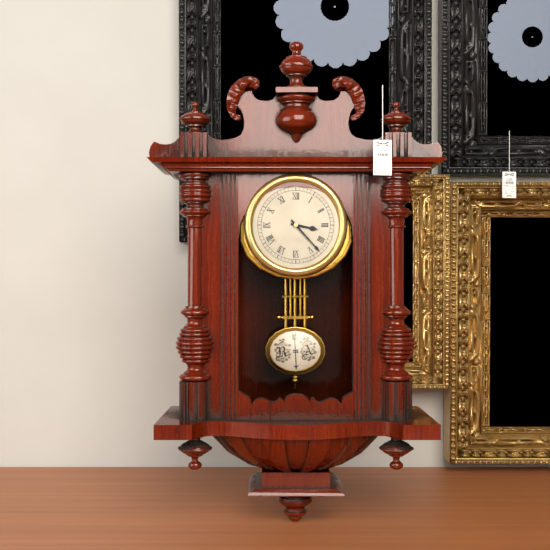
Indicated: 3 h 23 min
